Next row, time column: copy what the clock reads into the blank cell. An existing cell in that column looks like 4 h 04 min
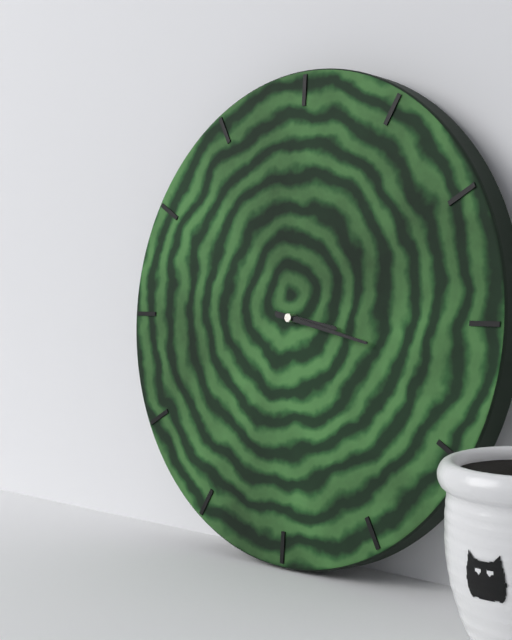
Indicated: 3 h 17 min
